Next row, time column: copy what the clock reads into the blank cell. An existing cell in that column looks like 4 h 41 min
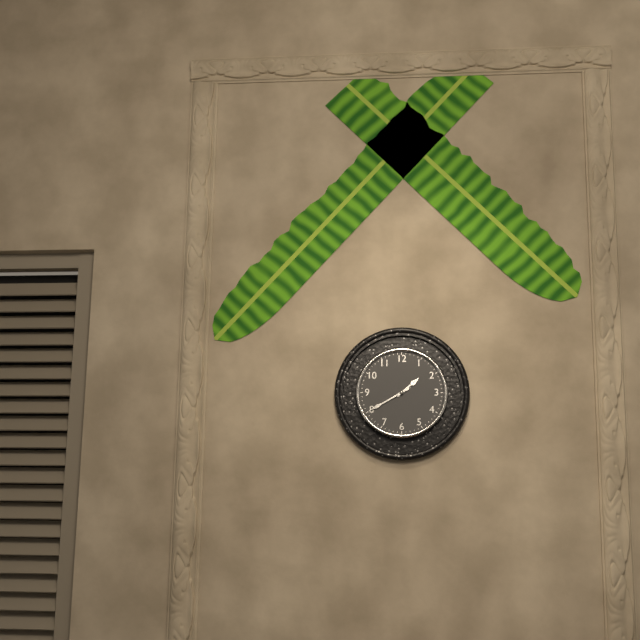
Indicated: 1 h 40 min
